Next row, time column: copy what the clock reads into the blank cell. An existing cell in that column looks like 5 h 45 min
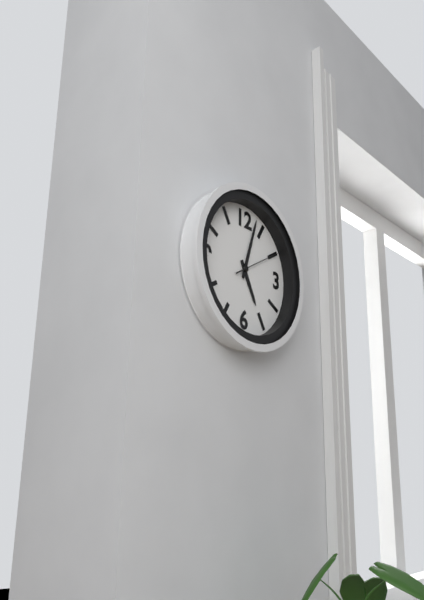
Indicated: 5 h 03 min
